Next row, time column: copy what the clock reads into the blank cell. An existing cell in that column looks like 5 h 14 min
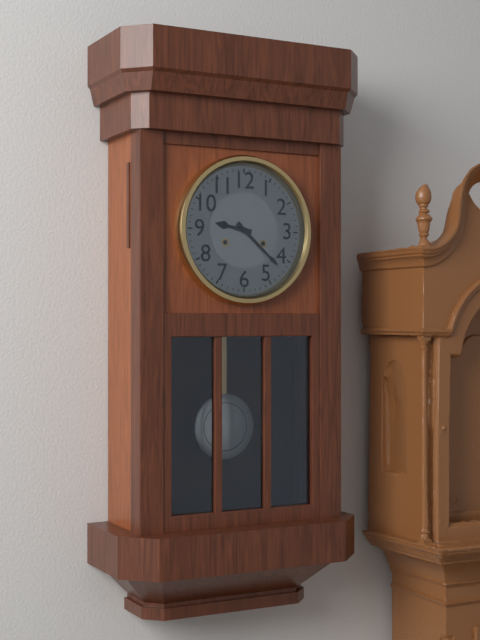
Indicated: 9 h 22 min
